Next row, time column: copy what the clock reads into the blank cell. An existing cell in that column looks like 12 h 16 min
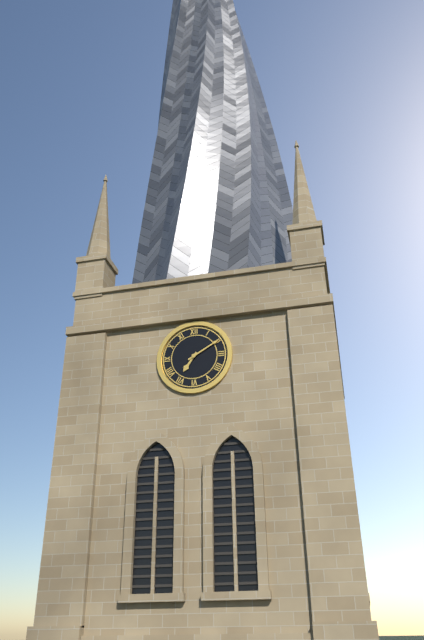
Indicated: 7 h 10 min
